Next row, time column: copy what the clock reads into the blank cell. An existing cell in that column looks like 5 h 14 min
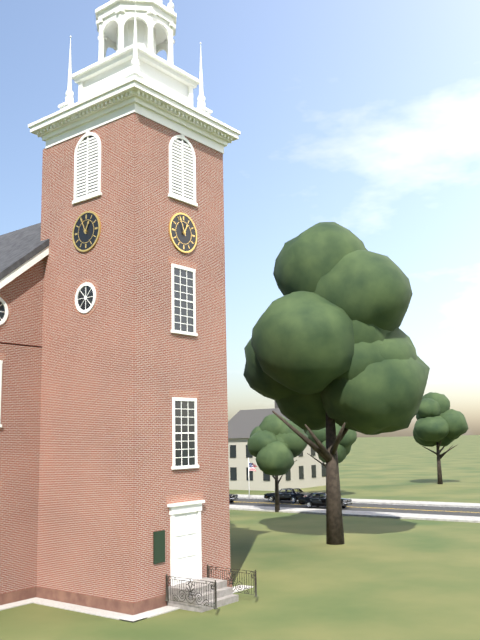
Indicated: 12 h 56 min
